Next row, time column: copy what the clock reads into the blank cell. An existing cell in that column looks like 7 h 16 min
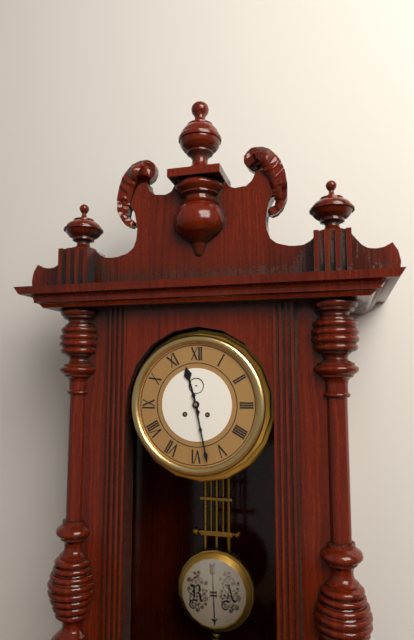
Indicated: 11 h 28 min
